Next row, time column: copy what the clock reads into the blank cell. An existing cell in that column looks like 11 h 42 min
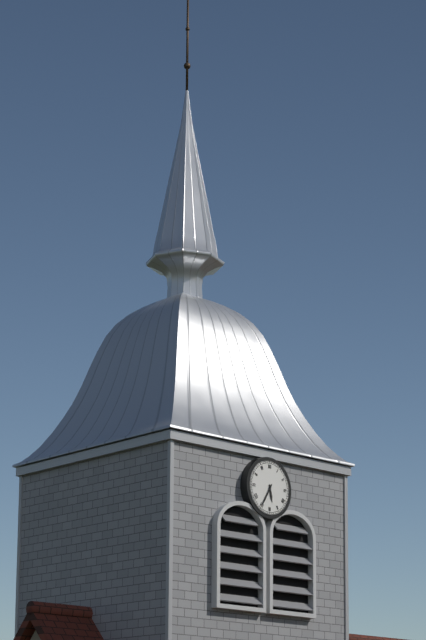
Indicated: 5 h 35 min
